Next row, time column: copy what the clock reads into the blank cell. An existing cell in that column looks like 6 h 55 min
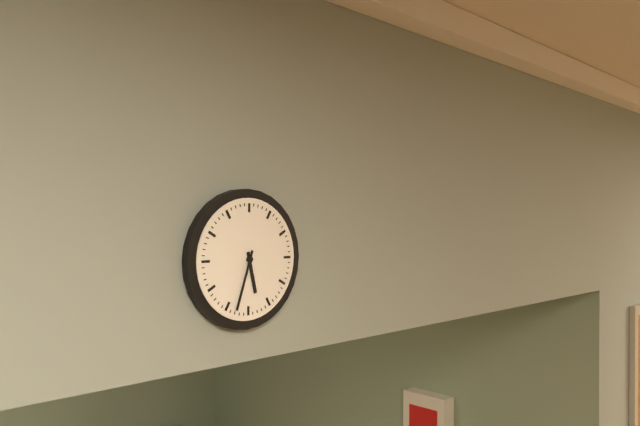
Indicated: 5 h 33 min
